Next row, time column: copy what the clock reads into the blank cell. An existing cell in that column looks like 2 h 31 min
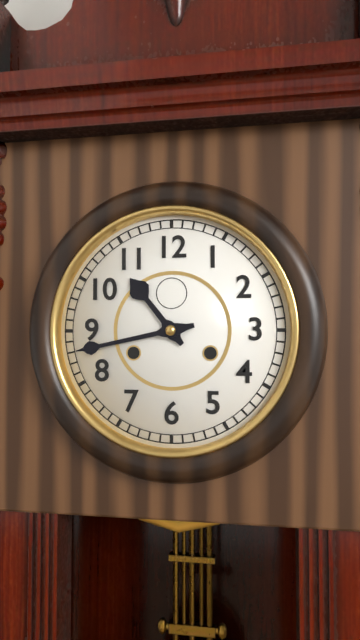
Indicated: 10 h 43 min
